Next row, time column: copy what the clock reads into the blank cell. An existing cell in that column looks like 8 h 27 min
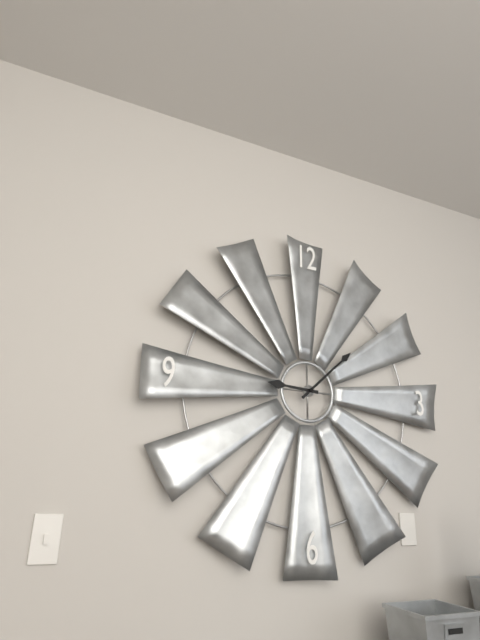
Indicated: 9 h 08 min
